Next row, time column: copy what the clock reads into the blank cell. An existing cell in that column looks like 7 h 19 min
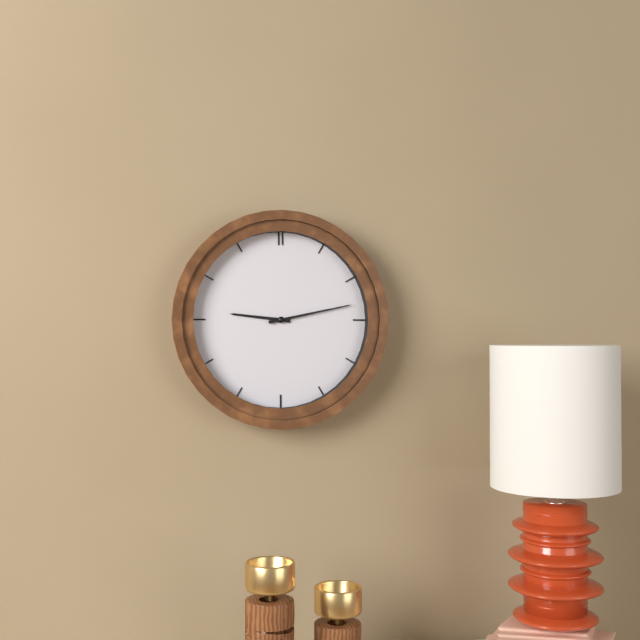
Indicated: 9 h 13 min
